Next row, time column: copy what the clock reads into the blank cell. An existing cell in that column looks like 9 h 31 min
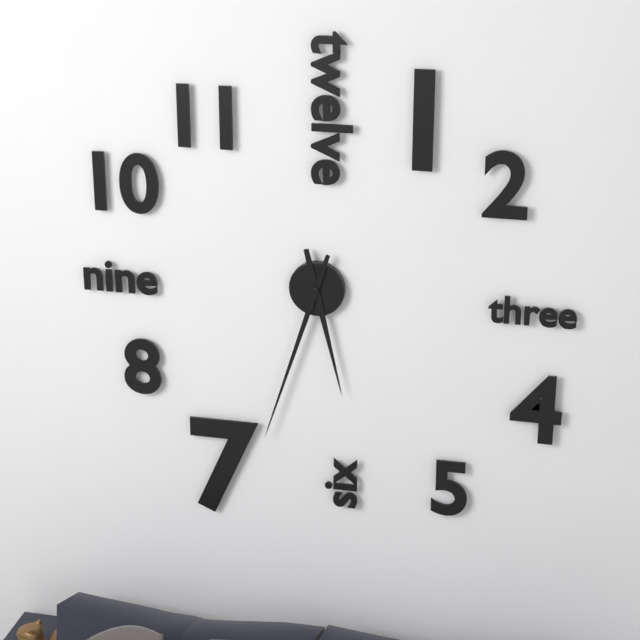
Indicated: 5 h 33 min
